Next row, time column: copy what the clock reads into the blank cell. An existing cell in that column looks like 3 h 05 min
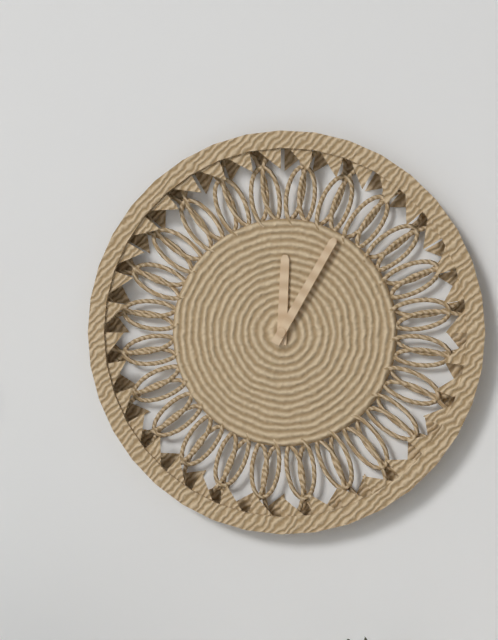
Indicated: 12 h 05 min
